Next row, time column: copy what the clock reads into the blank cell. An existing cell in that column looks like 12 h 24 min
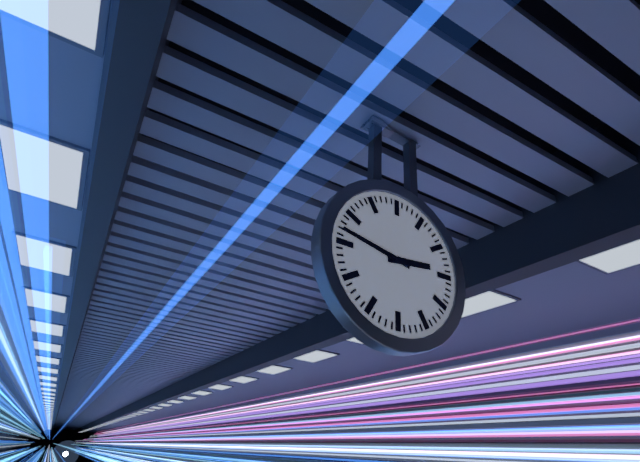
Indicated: 2 h 47 min
